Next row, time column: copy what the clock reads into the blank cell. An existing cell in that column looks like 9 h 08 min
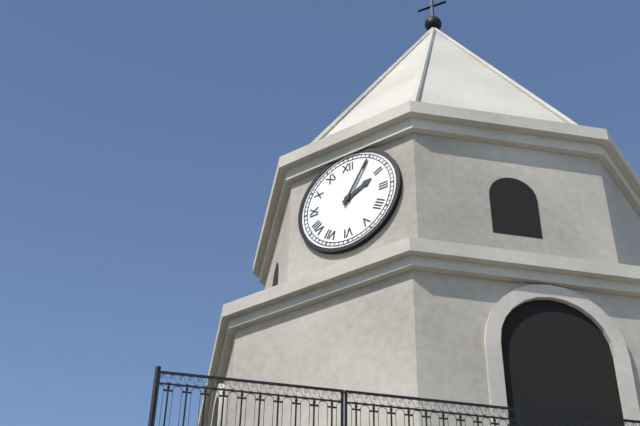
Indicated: 2 h 05 min
